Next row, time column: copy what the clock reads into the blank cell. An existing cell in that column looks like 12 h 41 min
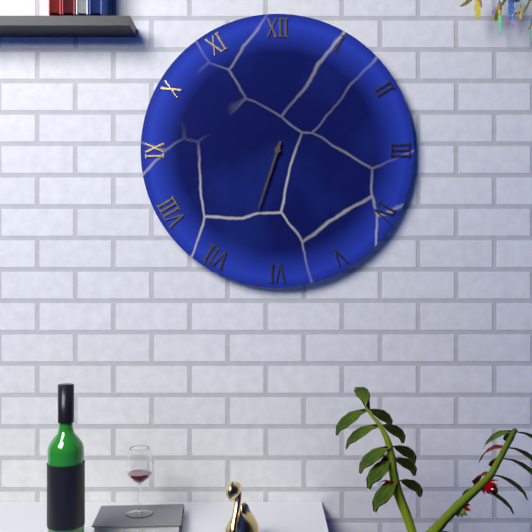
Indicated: 6 h 33 min
